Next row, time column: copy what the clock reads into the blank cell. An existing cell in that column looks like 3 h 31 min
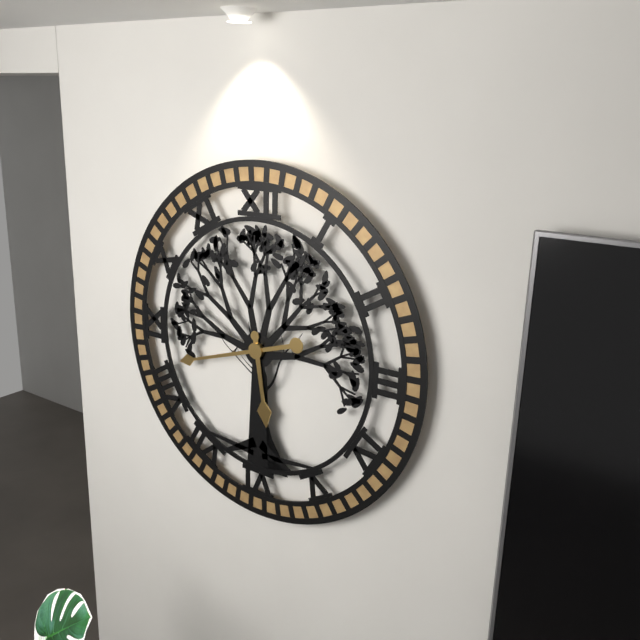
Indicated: 5 h 42 min
